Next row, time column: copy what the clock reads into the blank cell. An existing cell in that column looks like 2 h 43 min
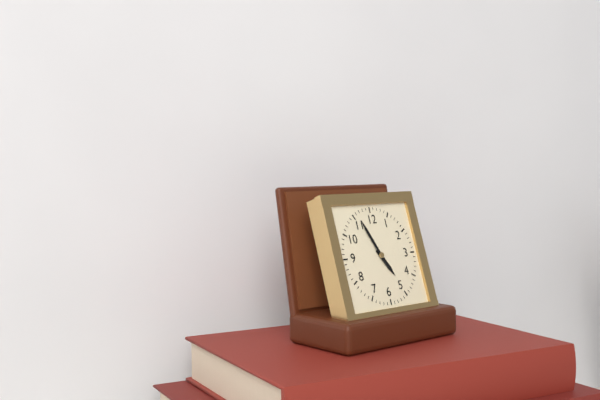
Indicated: 4 h 56 min
